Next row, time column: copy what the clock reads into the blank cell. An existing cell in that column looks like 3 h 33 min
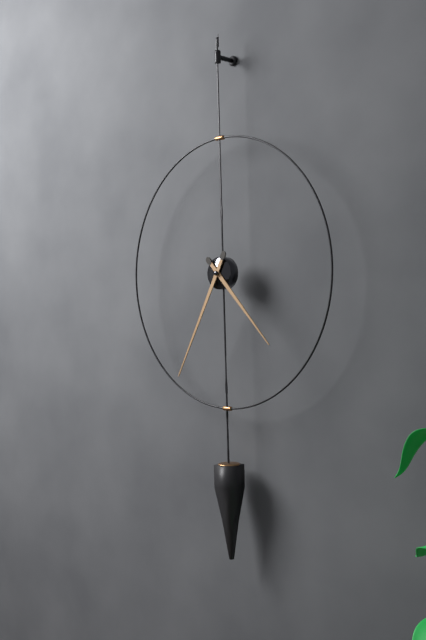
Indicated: 4 h 35 min
